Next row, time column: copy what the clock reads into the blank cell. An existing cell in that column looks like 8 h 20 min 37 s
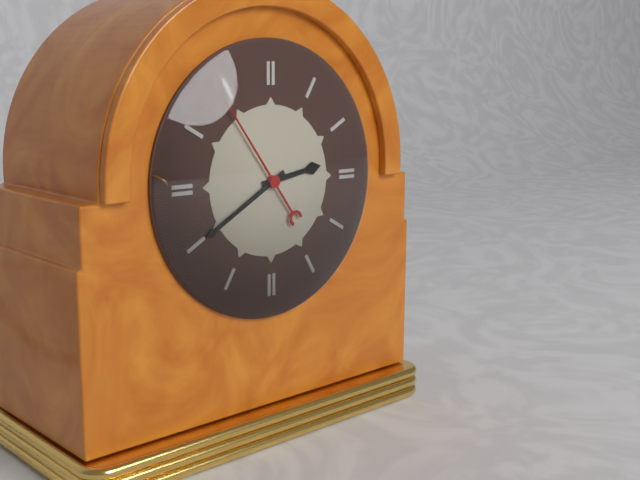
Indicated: 2 h 40 min 54 s
